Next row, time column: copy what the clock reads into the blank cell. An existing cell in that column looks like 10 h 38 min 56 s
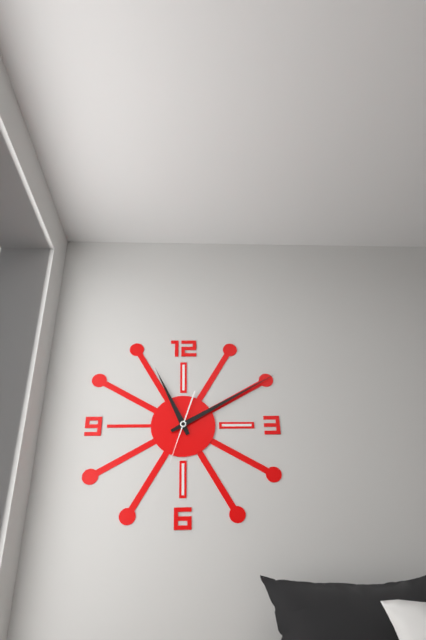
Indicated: 11 h 10 min 33 s
